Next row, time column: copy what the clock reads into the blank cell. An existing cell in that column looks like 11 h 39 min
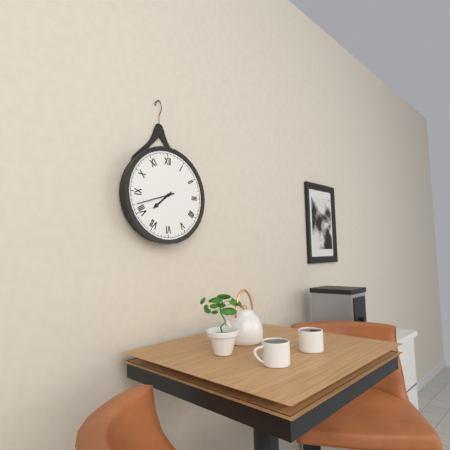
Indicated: 7 h 42 min
